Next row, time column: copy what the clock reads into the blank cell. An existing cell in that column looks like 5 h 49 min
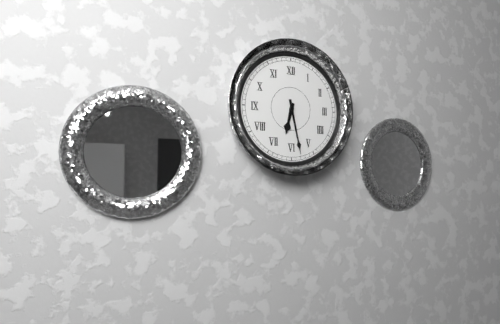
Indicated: 6 h 28 min
